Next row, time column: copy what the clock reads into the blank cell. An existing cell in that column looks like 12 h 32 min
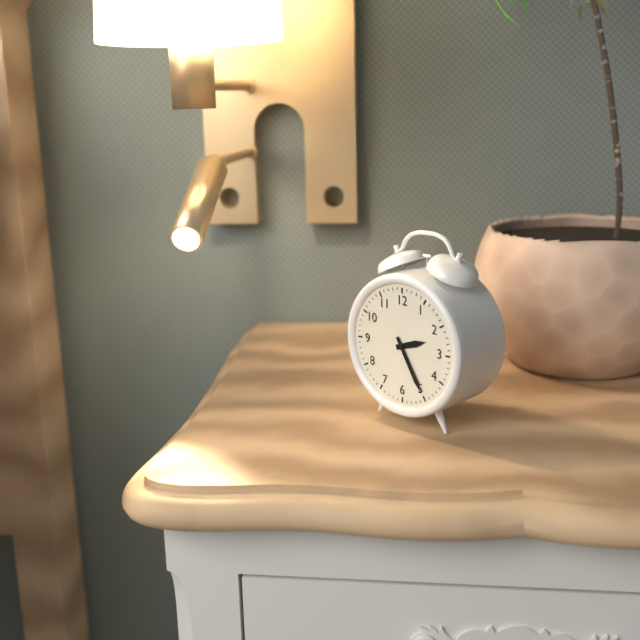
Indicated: 2 h 25 min
